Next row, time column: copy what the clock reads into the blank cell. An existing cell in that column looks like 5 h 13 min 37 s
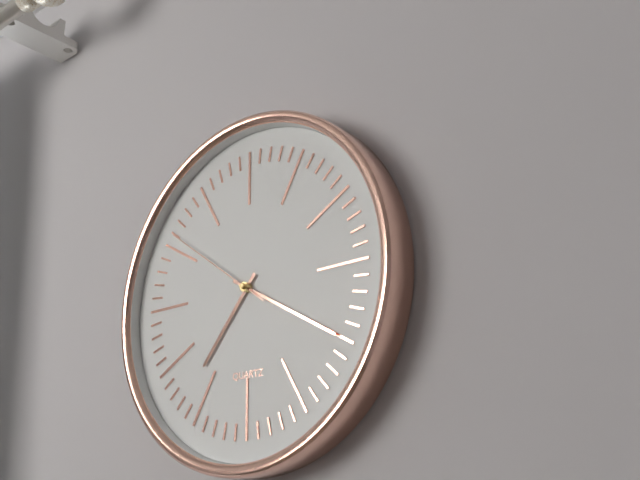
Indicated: 7 h 20 min 51 s
